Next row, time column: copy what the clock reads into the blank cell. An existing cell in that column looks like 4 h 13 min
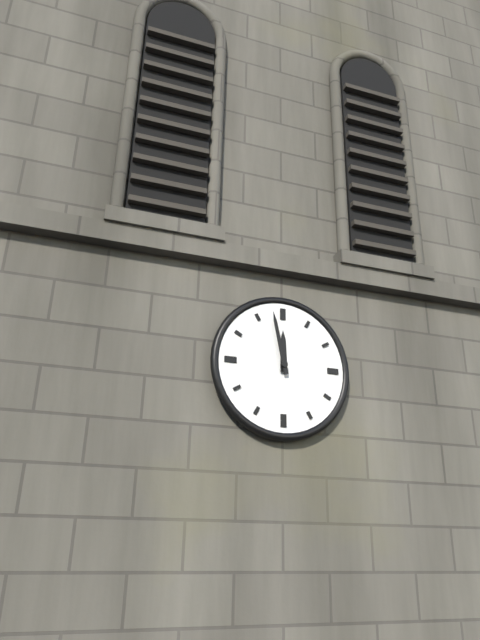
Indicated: 11 h 58 min
